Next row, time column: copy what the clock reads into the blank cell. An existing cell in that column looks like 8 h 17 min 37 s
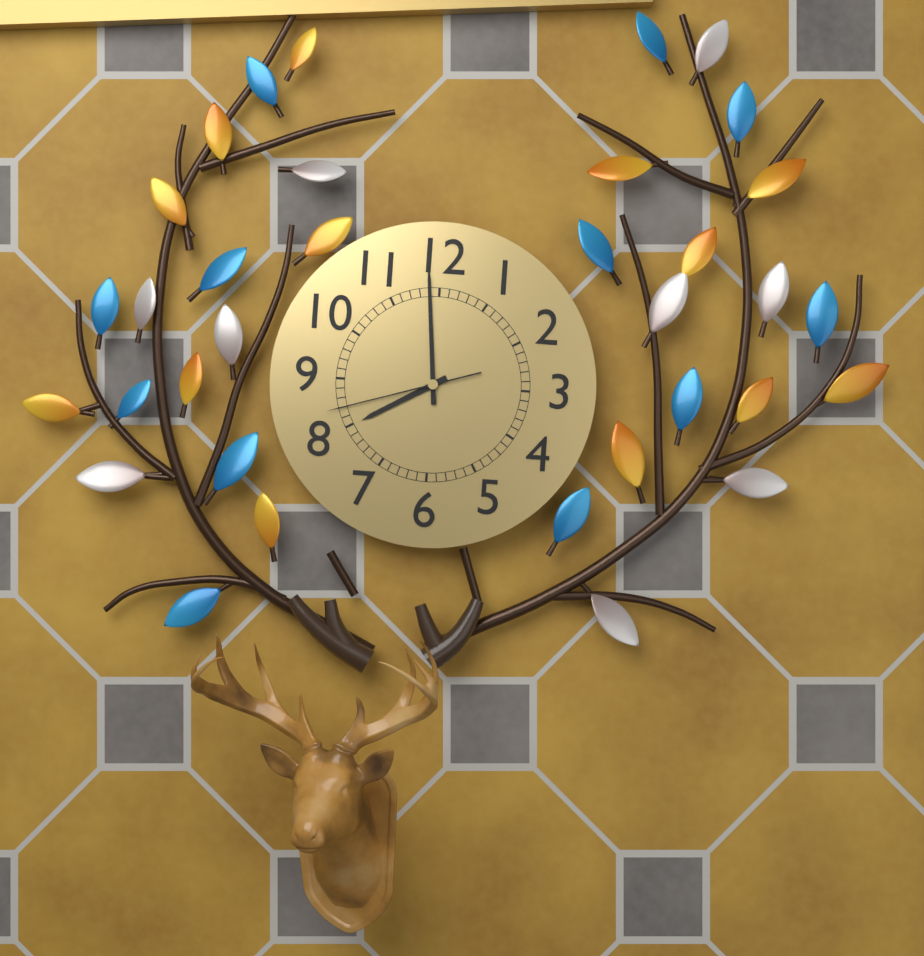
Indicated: 7 h 59 min 42 s
